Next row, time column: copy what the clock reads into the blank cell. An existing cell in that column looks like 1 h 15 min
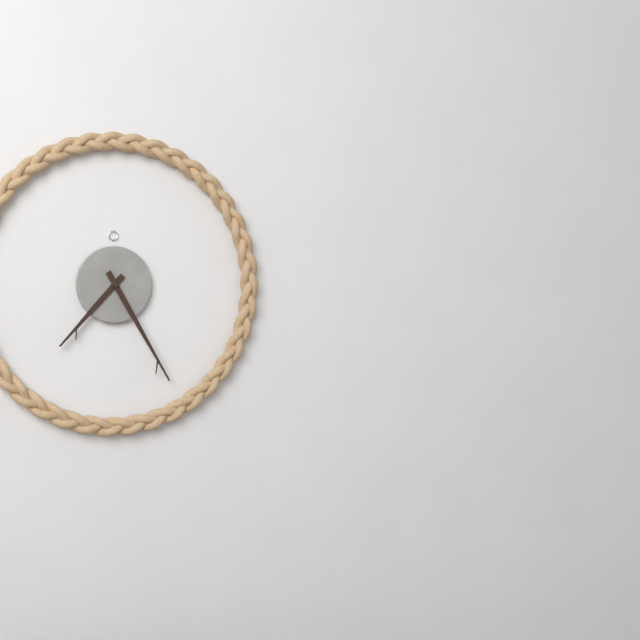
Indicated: 7 h 25 min
